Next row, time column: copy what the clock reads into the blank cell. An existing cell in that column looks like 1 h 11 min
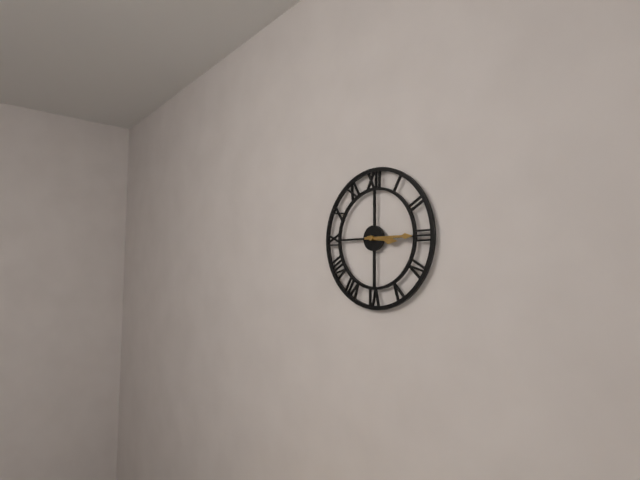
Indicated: 3 h 15 min
